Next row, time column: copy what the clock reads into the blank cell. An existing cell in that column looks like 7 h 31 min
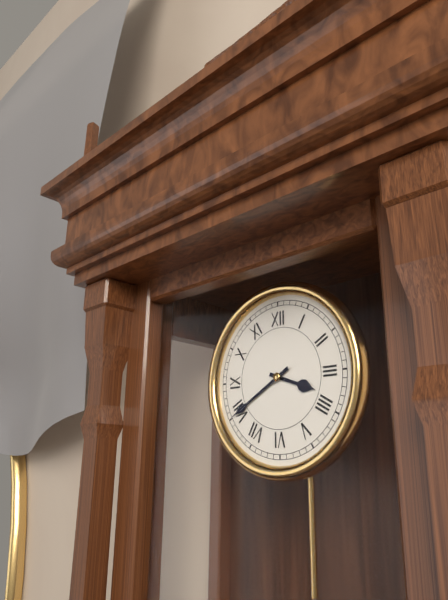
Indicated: 3 h 40 min
